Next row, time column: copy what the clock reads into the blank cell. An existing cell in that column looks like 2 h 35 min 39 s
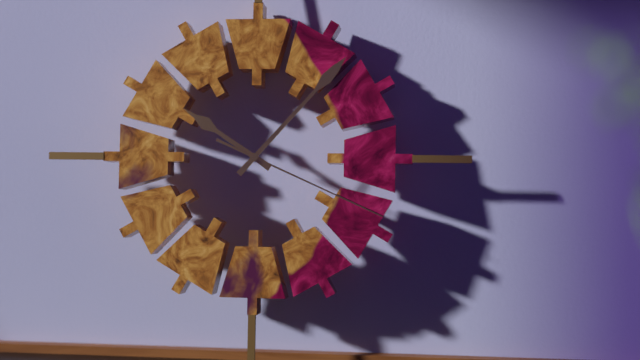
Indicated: 10 h 07 min 19 s
